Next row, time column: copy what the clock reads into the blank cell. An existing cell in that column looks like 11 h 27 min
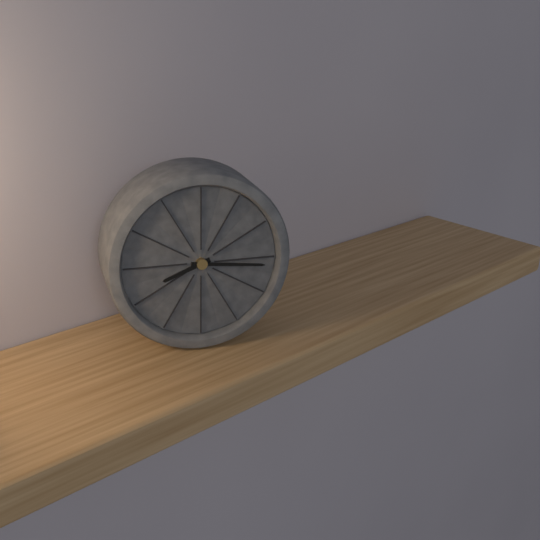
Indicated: 8 h 16 min
